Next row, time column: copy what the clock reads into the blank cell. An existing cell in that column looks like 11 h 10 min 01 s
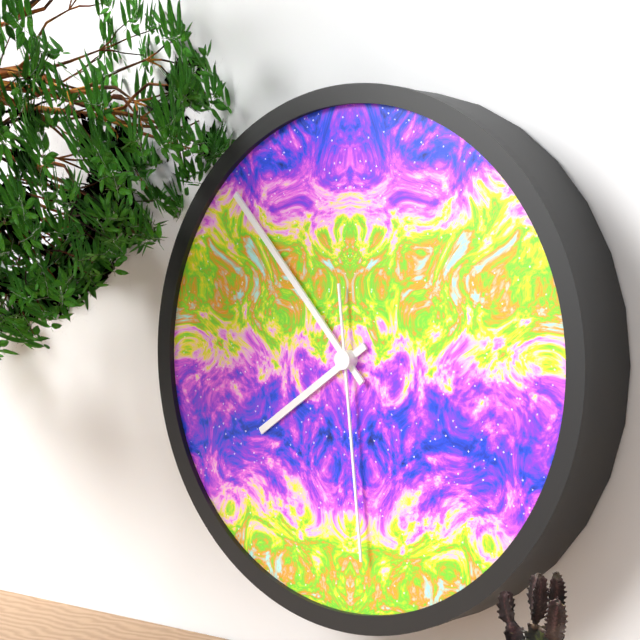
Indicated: 7 h 53 min 29 s
